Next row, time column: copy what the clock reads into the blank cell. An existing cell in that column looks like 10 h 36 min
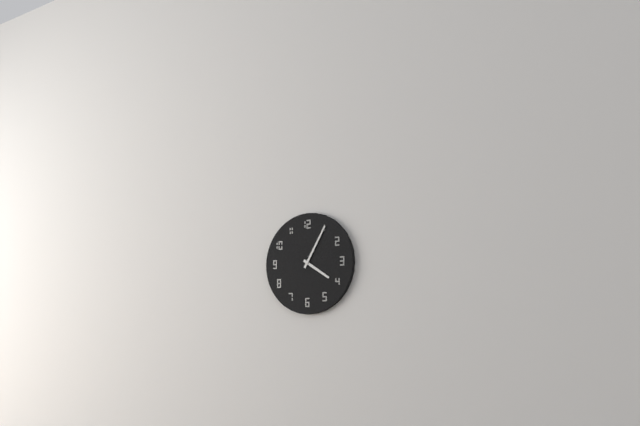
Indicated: 4 h 05 min
